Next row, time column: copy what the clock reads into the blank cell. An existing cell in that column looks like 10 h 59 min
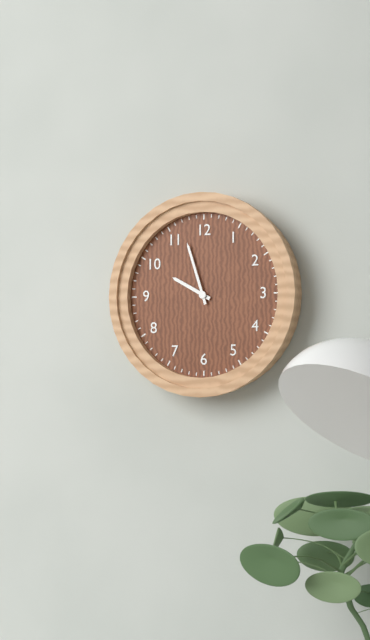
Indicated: 9 h 57 min
